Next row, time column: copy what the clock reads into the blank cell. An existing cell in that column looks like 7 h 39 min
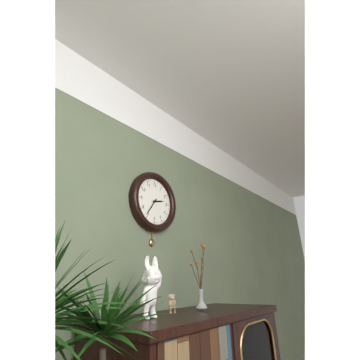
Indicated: 2 h 36 min
